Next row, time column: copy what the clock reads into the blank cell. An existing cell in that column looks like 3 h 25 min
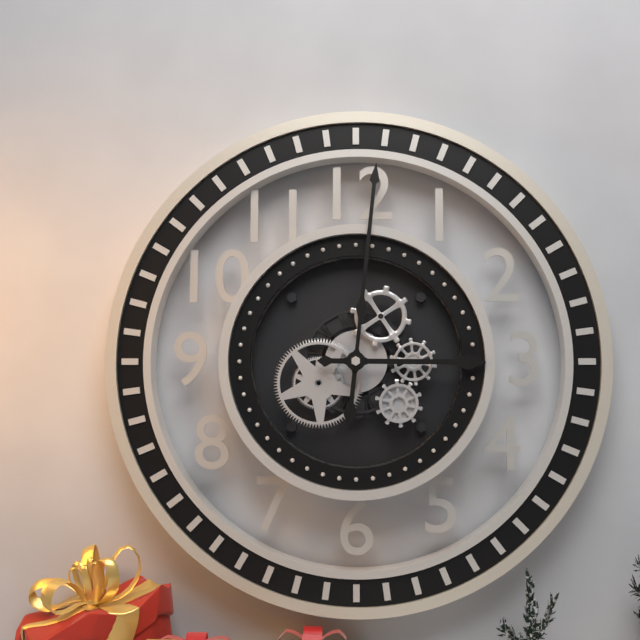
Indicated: 3 h 01 min
